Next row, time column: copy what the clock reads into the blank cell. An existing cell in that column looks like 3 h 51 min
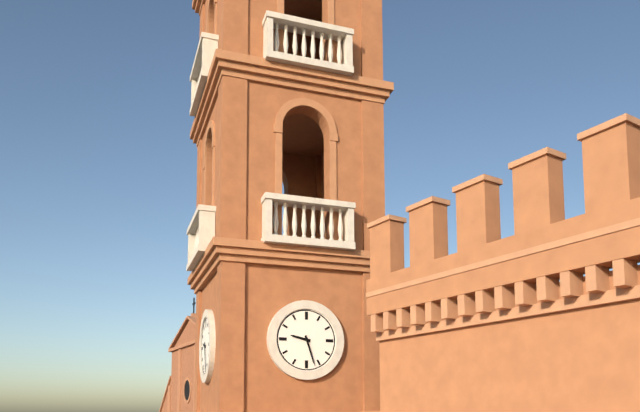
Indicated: 9 h 27 min
